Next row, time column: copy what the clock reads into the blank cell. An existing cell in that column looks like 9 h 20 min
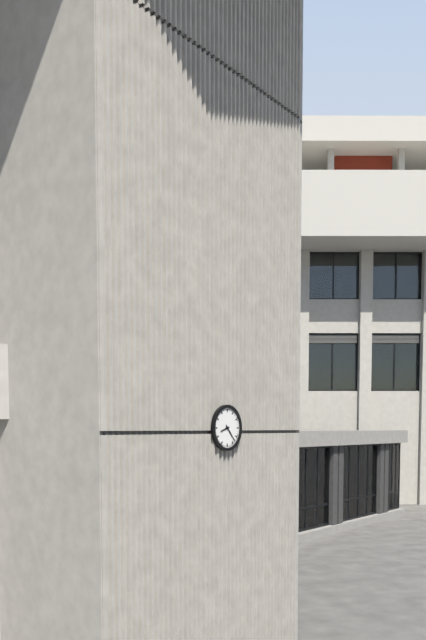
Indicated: 8 h 23 min
